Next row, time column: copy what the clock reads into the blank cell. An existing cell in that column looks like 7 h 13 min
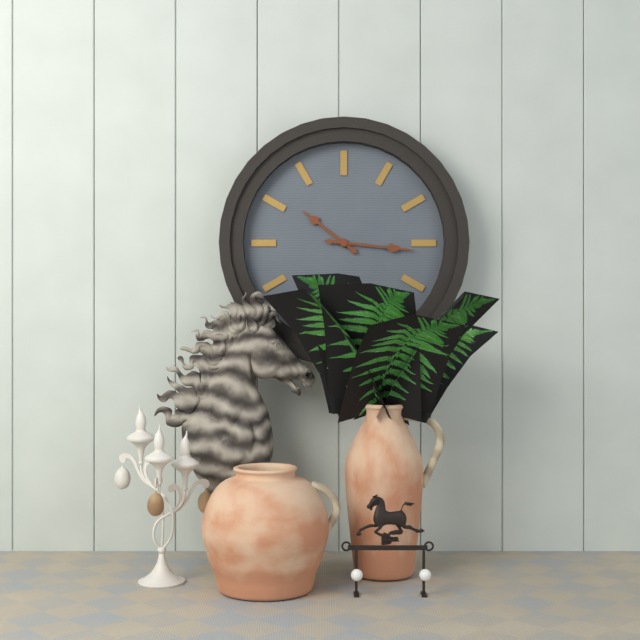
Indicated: 10 h 16 min
